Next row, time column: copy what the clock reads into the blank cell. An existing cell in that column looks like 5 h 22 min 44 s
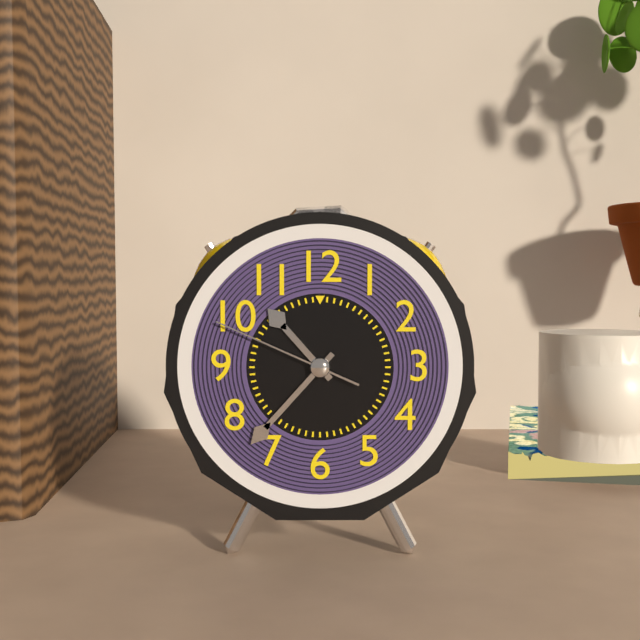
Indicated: 10 h 37 min 49 s
